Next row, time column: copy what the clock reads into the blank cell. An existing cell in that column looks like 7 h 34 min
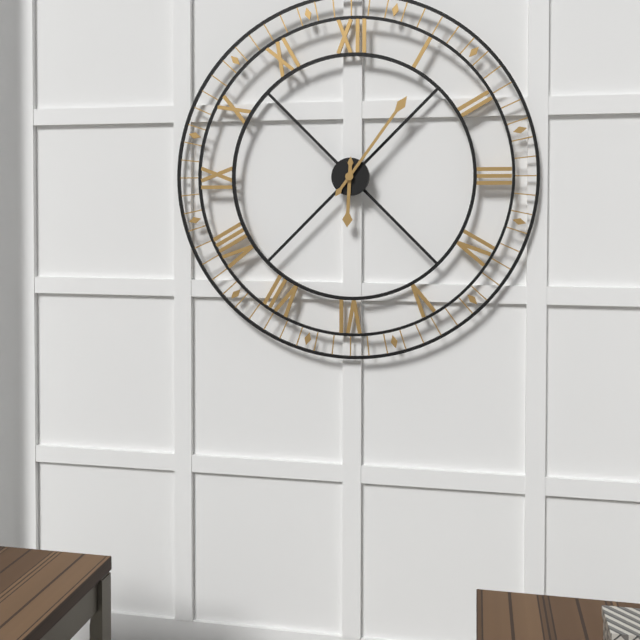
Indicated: 6 h 06 min
